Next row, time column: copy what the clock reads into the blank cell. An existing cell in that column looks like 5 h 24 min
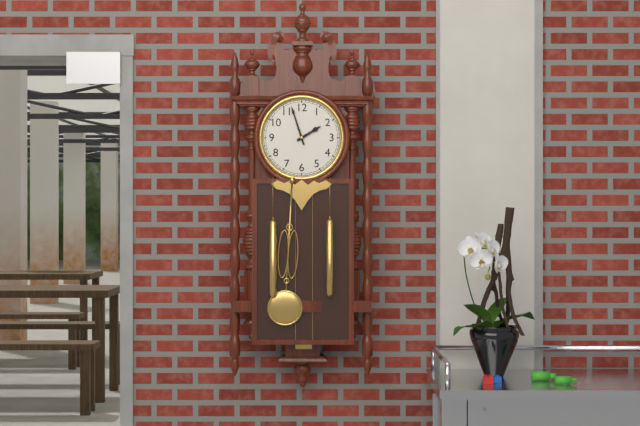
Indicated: 1 h 57 min
